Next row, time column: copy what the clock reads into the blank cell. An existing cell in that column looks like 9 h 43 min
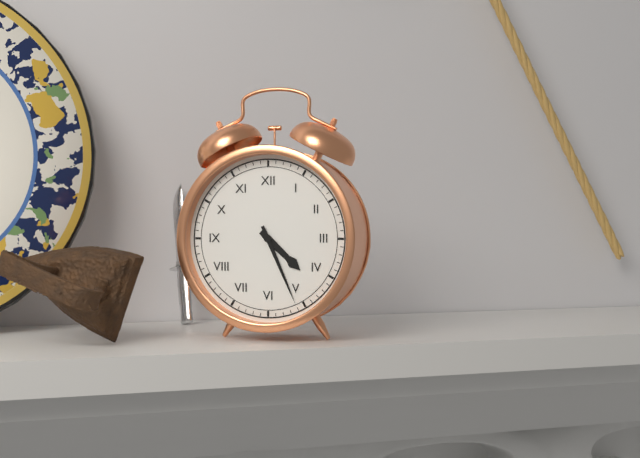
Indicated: 4 h 26 min
